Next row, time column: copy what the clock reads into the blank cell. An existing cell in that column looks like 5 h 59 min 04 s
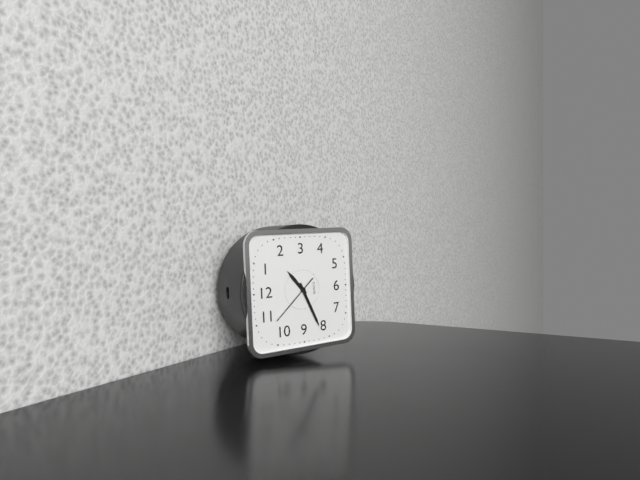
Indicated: 1 h 41 min 53 s
